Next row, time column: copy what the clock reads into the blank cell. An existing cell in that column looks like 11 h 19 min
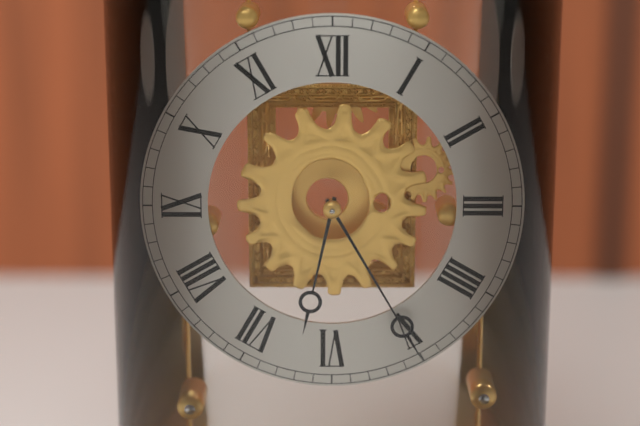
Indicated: 6 h 25 min
